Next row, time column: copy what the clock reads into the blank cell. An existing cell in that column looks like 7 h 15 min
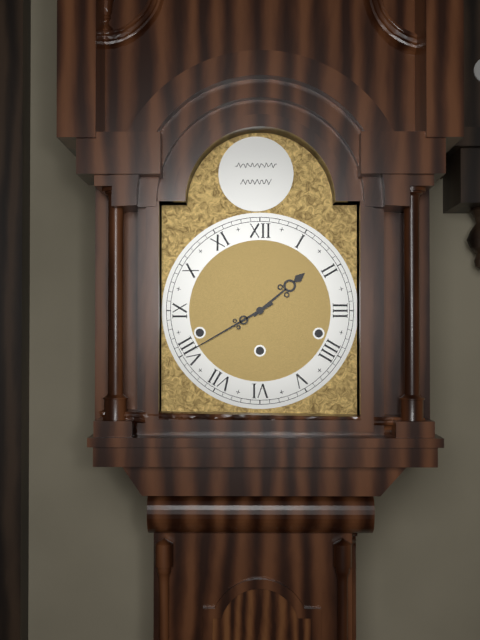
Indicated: 1 h 40 min
